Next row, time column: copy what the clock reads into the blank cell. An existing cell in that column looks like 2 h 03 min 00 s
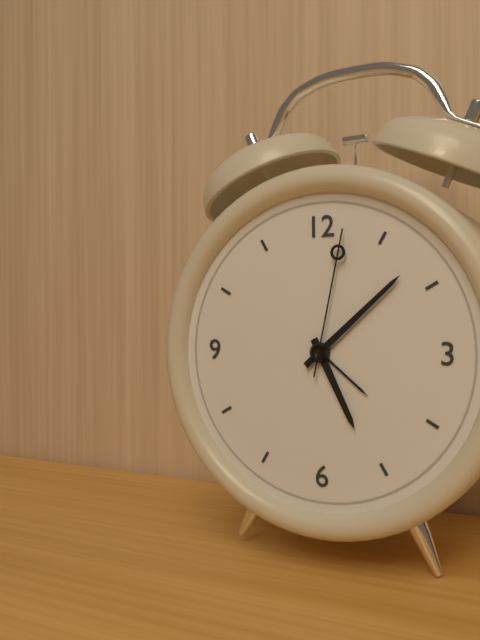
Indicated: 5 h 08 min 02 s
